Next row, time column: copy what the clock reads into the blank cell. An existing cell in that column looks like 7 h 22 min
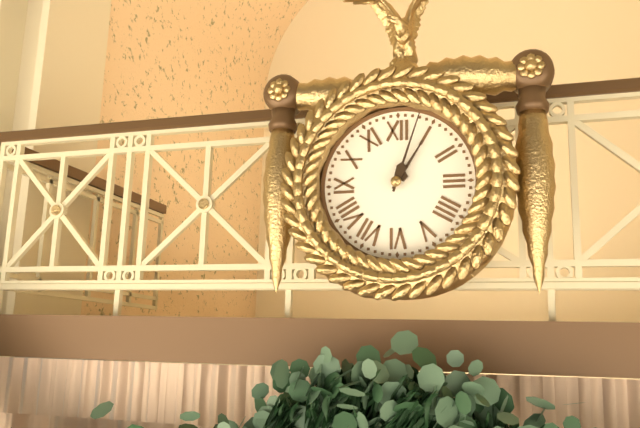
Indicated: 1 h 03 min
